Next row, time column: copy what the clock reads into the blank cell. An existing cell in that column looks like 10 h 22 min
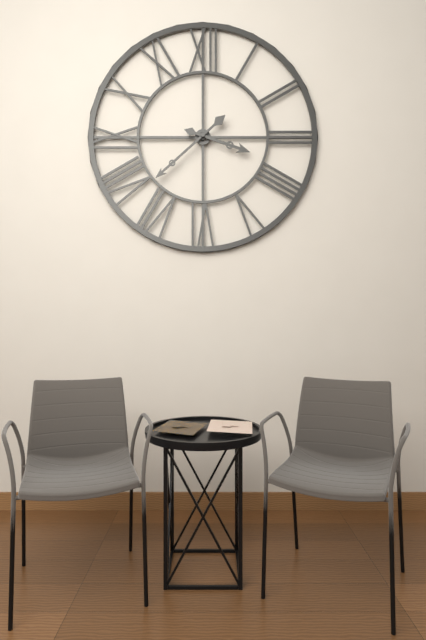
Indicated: 3 h 38 min
